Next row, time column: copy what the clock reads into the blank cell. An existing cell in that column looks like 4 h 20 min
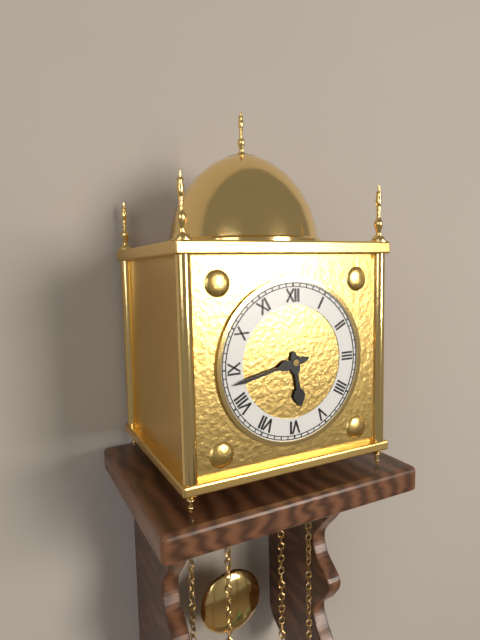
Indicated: 5 h 43 min
